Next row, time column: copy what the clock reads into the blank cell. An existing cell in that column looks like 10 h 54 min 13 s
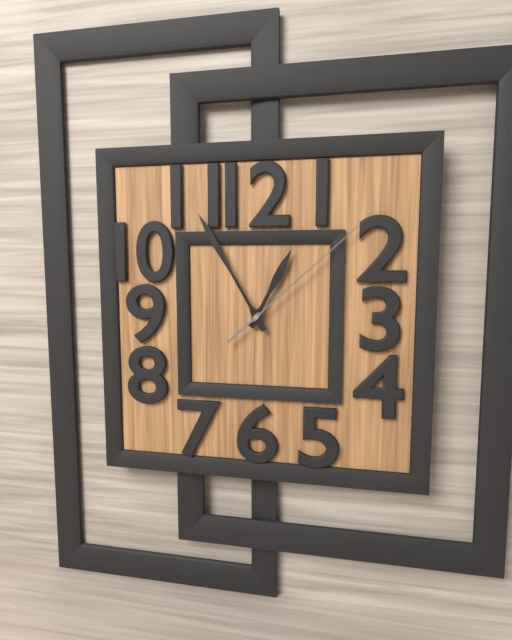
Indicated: 12 h 55 min 08 s
